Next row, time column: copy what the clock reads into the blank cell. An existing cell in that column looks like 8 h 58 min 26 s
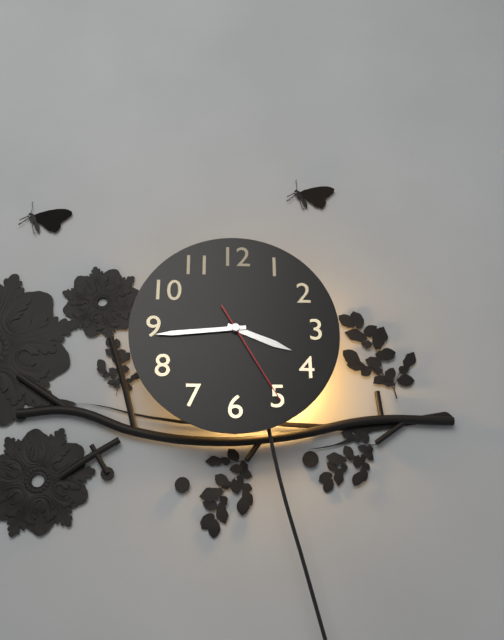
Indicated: 3 h 44 min 25 s
